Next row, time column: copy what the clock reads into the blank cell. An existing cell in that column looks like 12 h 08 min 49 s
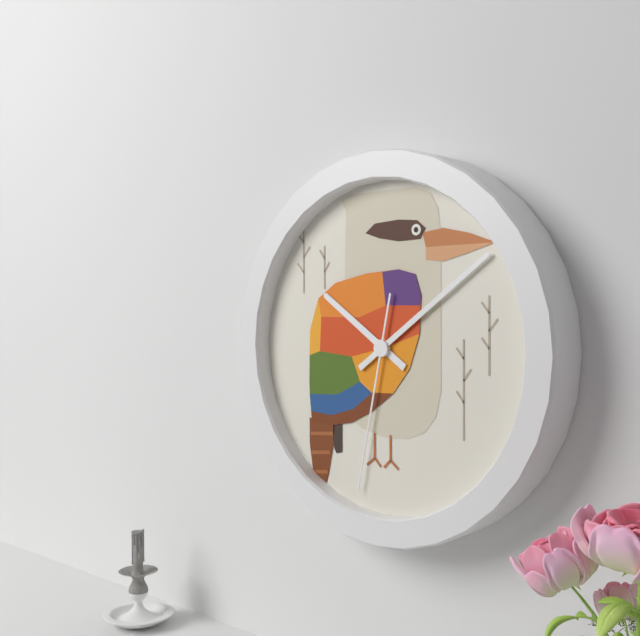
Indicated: 10 h 09 min 32 s
